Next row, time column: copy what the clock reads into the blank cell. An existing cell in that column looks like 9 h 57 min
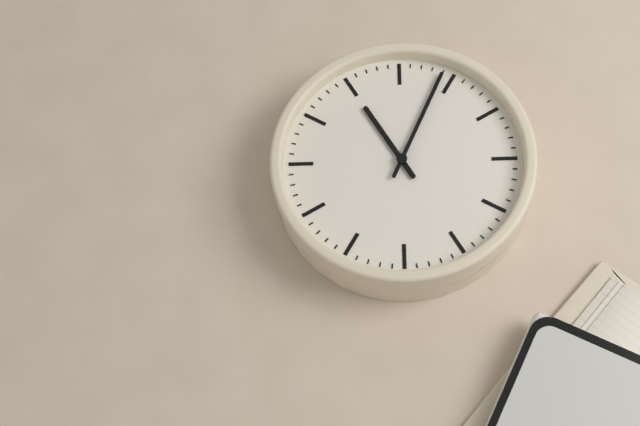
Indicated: 9 h 59 min
